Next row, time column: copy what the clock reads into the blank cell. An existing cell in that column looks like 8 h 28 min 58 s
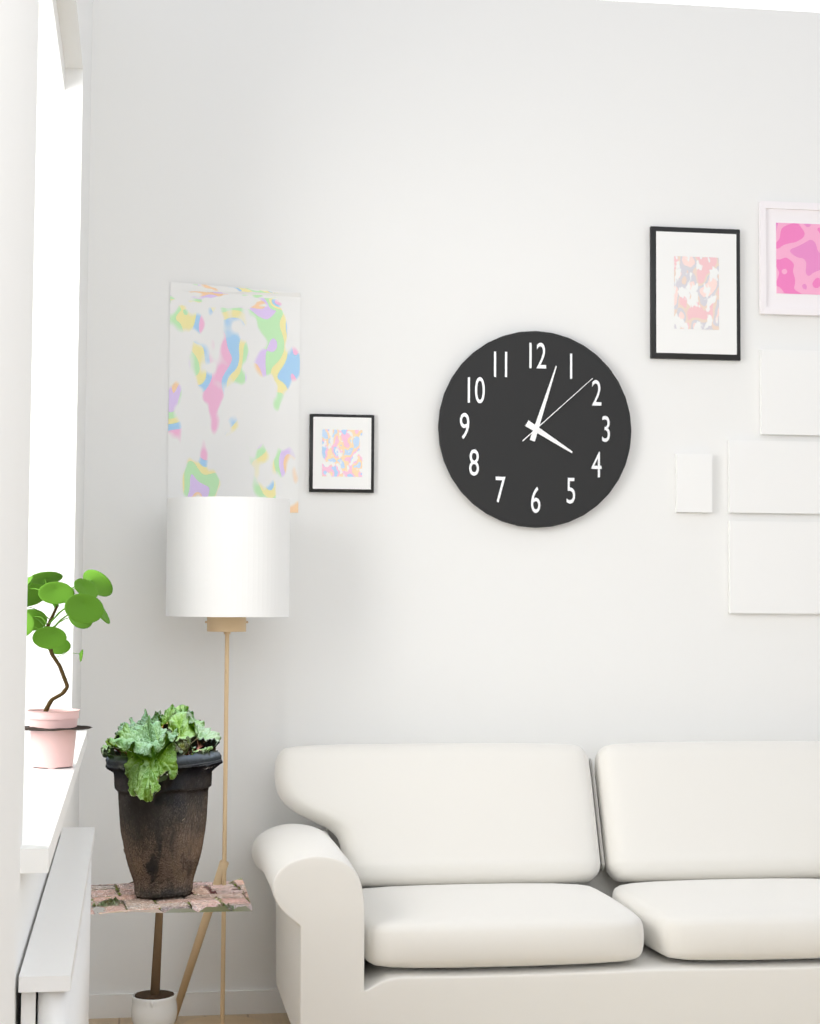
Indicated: 4 h 03 min 08 s
